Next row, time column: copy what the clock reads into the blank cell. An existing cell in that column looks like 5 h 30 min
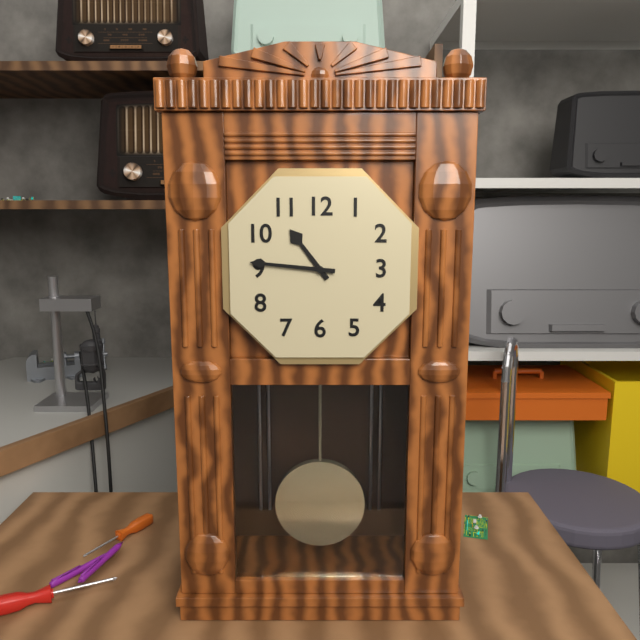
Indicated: 10 h 46 min
